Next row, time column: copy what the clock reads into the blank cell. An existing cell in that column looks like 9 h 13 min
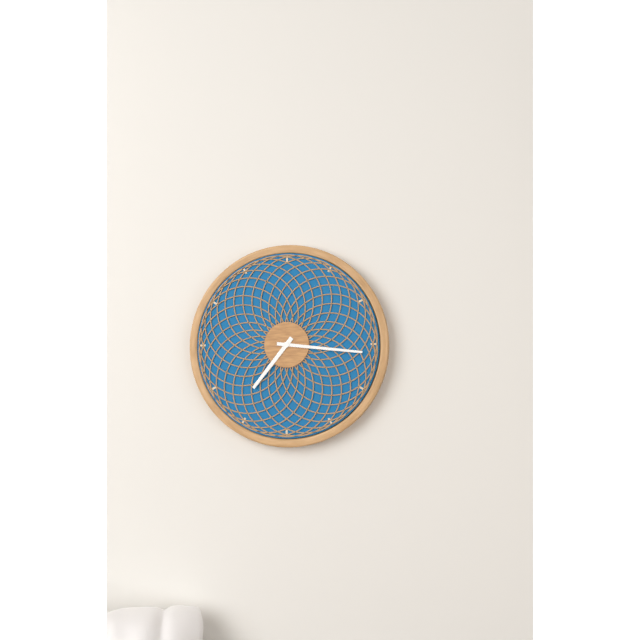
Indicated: 7 h 16 min
